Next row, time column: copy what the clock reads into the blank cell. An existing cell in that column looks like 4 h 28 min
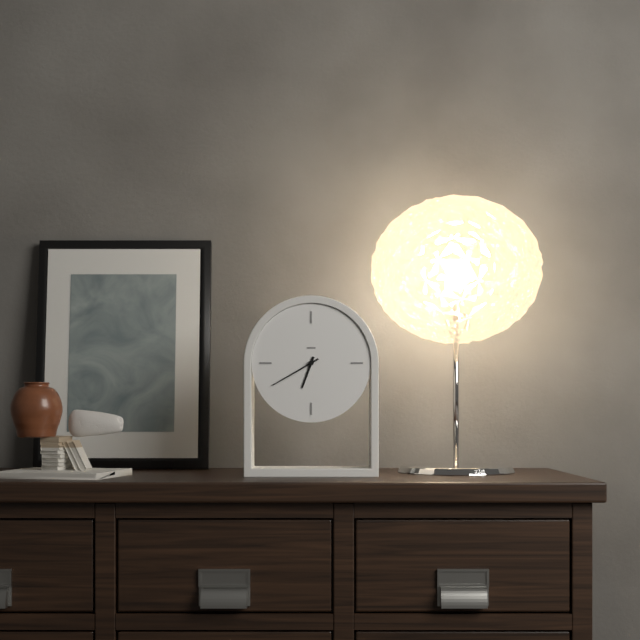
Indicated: 6 h 40 min
